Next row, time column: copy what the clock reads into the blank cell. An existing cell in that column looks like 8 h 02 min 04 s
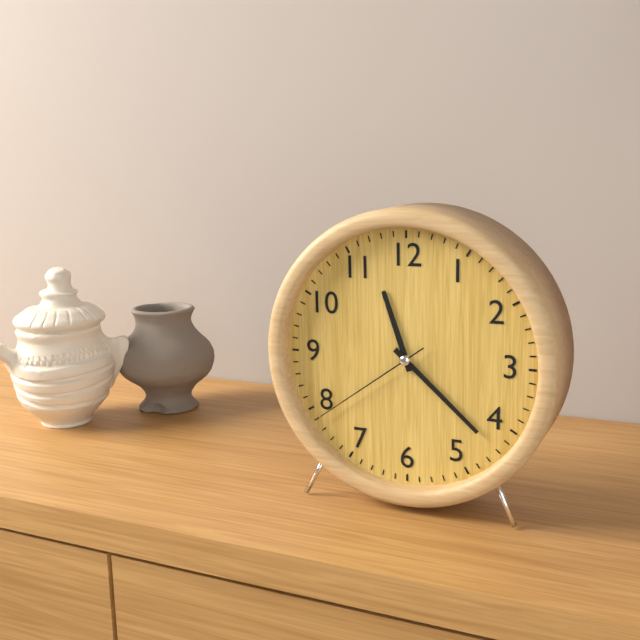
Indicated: 11 h 22 min 39 s
